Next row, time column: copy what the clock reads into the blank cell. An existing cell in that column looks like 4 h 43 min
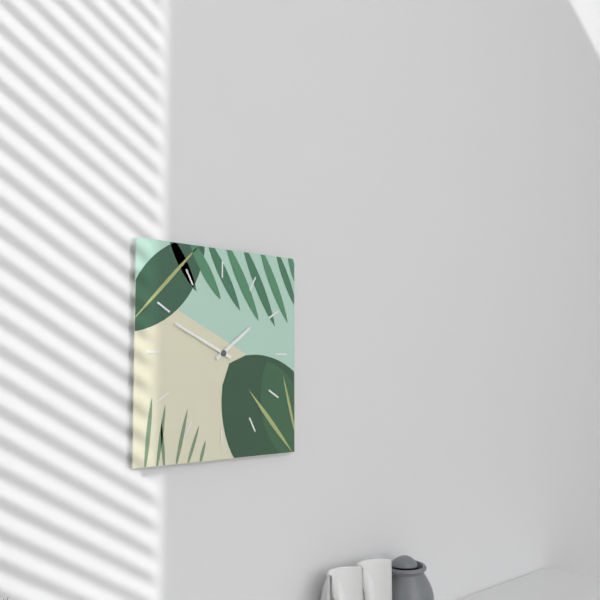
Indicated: 1 h 49 min
